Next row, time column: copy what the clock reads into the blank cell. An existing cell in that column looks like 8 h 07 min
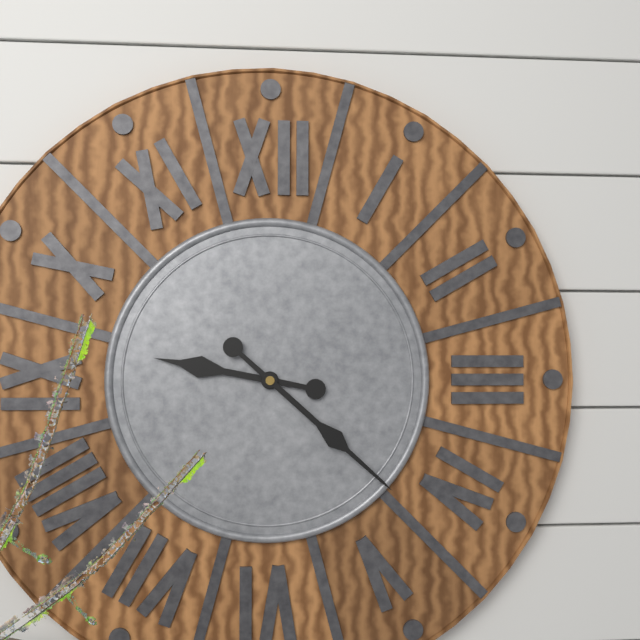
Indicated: 9 h 22 min
